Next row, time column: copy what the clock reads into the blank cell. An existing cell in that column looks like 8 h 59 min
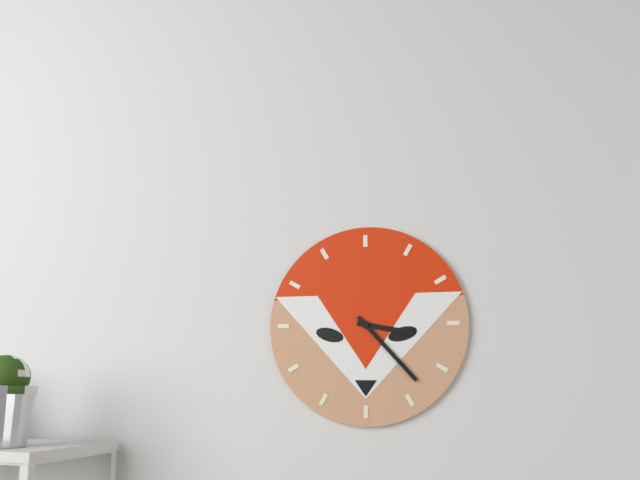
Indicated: 3 h 23 min
